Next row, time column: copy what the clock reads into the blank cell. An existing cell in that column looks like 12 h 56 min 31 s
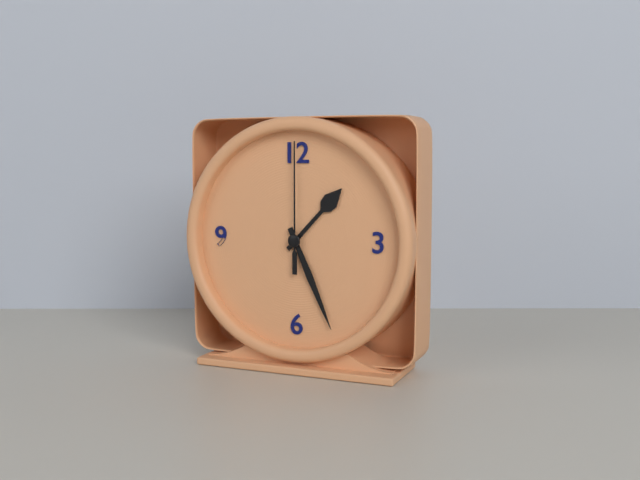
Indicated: 1 h 26 min 00 s
